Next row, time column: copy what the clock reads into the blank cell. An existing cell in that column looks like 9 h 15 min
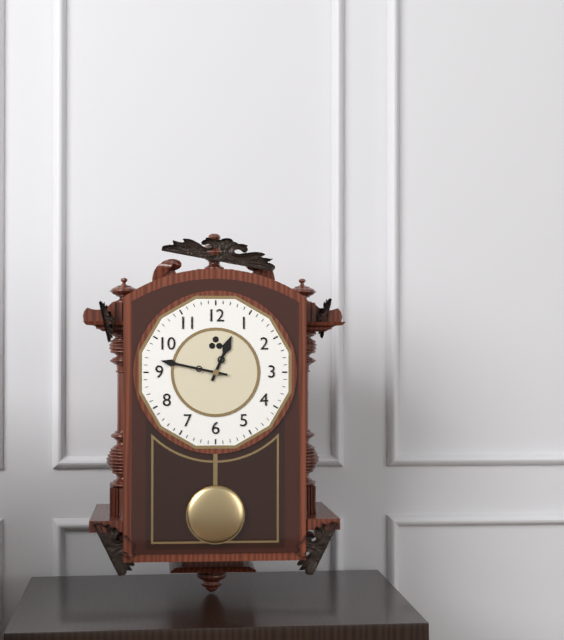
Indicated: 12 h 47 min
